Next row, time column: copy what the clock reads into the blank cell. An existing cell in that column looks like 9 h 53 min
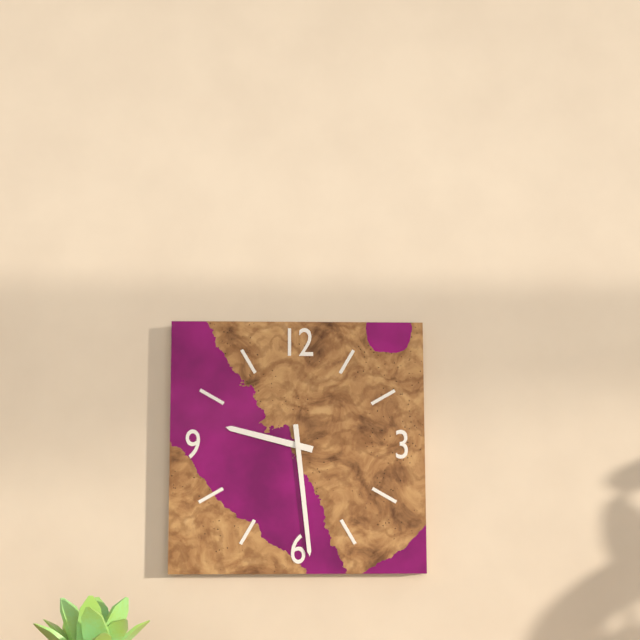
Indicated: 9 h 29 min
